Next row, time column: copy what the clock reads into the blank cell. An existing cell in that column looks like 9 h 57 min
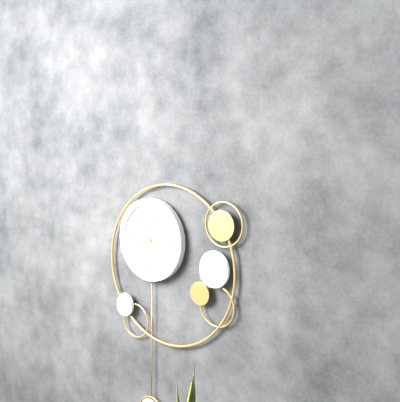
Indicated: 7 h 55 min
